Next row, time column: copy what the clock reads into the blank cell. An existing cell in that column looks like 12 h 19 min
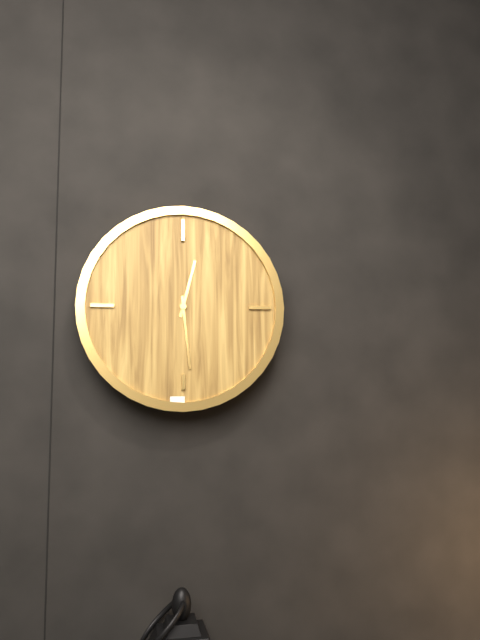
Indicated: 12 h 29 min
